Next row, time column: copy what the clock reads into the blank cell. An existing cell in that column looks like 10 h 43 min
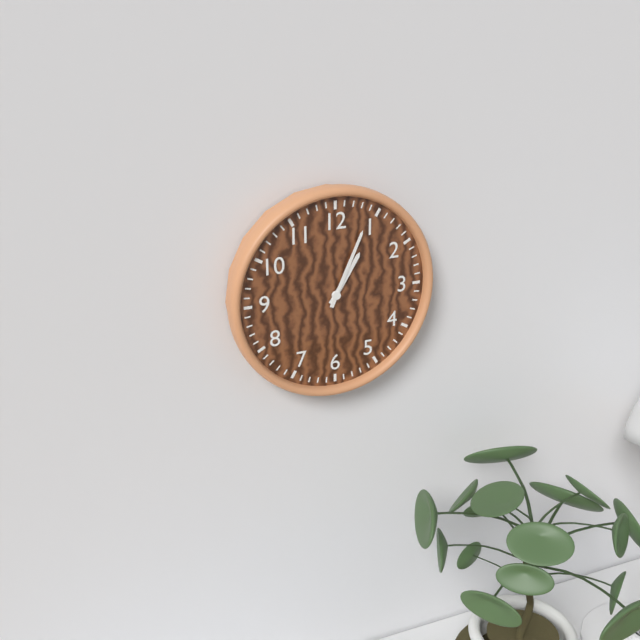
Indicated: 1 h 04 min
